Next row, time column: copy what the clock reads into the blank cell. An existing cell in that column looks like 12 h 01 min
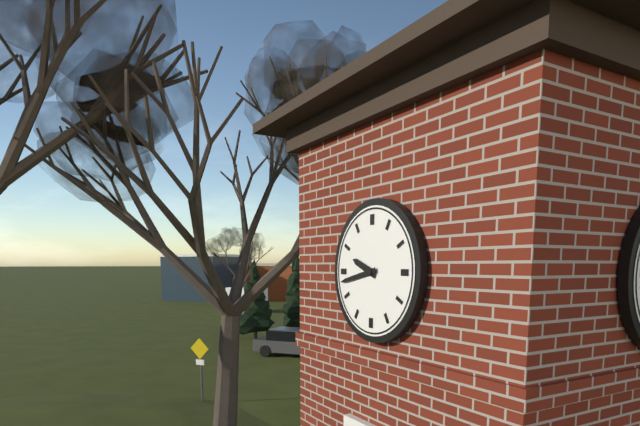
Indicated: 9 h 43 min
